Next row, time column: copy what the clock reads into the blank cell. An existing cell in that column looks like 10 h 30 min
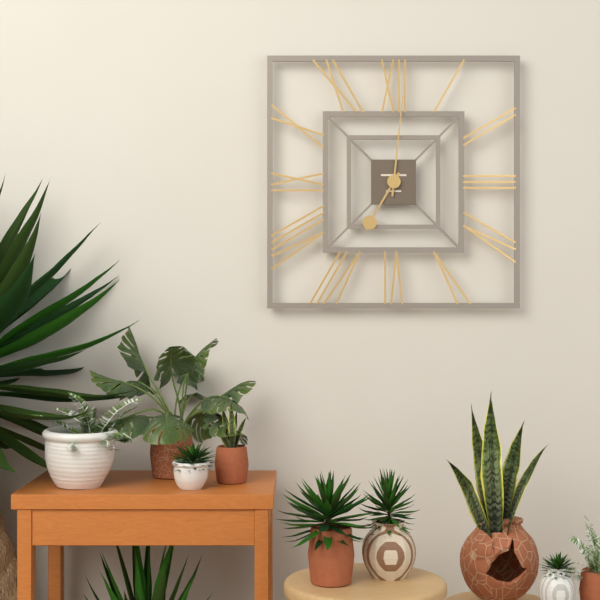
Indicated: 7 h 01 min
